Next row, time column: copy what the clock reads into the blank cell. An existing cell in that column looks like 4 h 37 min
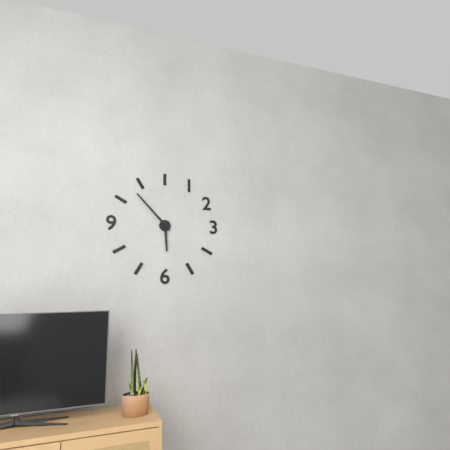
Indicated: 5 h 53 min
